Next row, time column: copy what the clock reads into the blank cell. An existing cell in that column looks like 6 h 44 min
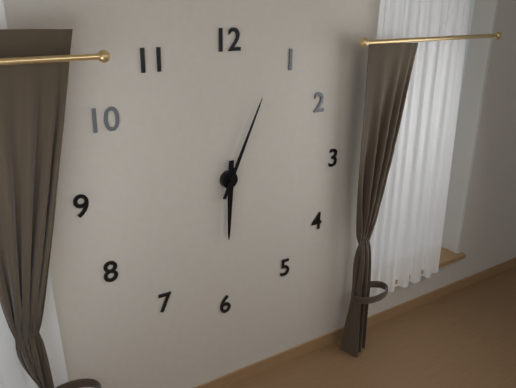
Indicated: 6 h 04 min
